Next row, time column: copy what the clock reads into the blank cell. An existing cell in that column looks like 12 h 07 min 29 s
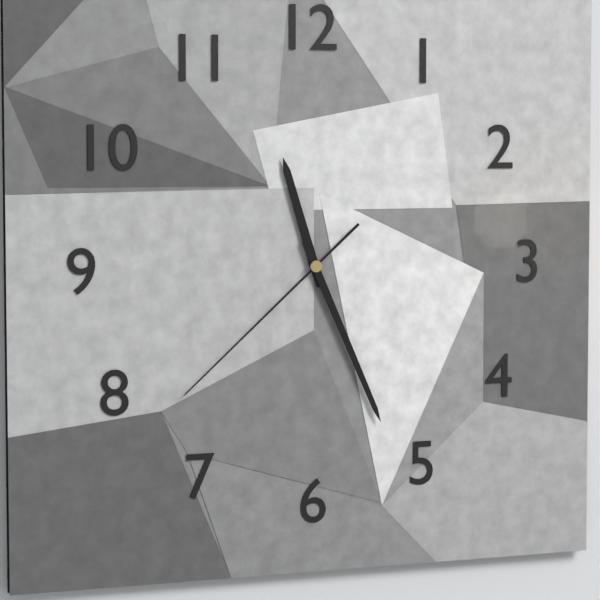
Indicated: 11 h 26 min 38 s
